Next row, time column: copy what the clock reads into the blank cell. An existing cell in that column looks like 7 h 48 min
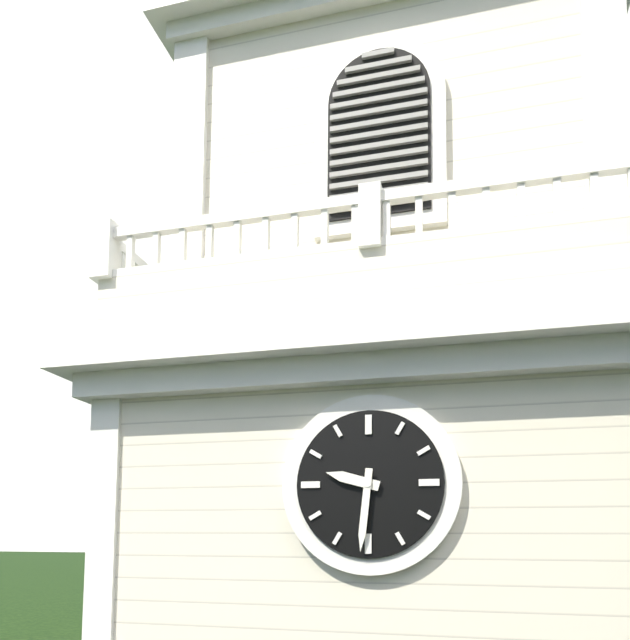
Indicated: 9 h 31 min
